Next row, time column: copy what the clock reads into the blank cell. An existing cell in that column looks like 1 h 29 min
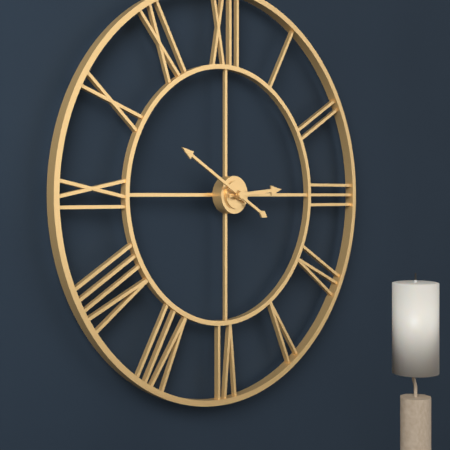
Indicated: 2 h 50 min
